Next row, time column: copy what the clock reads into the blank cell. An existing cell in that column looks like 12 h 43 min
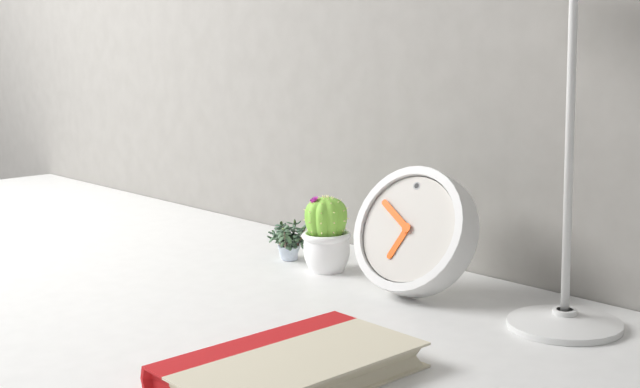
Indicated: 6 h 51 min
